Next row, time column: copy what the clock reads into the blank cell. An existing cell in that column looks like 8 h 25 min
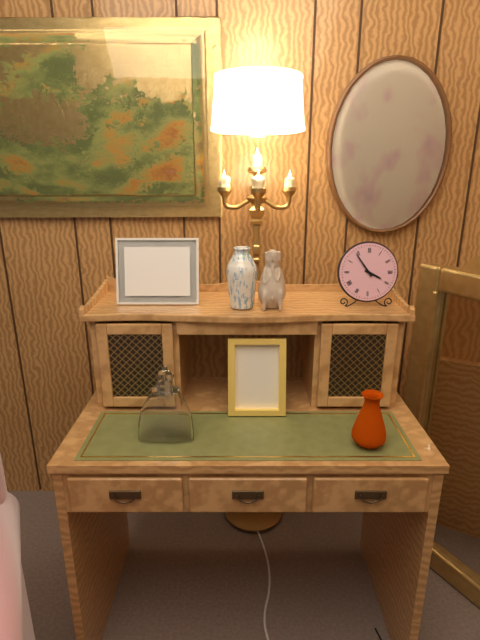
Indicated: 3 h 54 min
